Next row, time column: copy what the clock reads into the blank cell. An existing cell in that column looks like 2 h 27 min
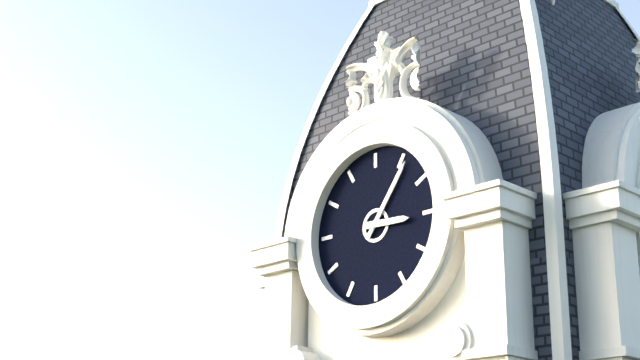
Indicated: 3 h 06 min
